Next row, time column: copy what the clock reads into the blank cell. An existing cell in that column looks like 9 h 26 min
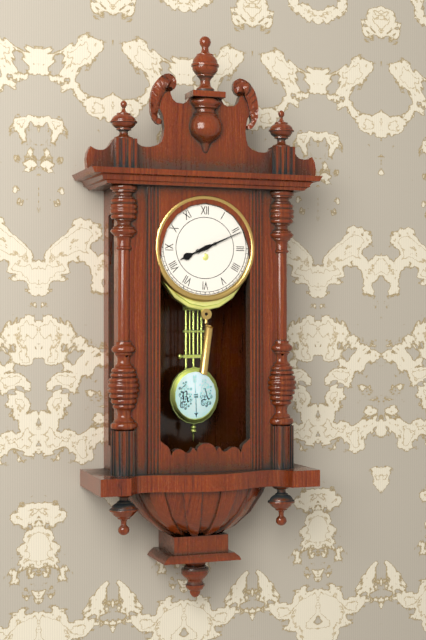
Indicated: 8 h 11 min
